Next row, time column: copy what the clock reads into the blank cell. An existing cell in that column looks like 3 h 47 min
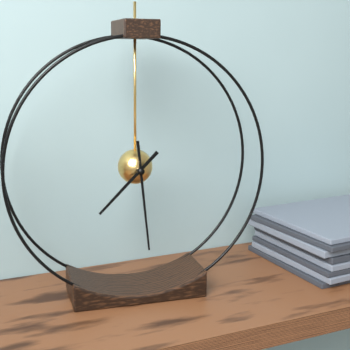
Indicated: 7 h 29 min
